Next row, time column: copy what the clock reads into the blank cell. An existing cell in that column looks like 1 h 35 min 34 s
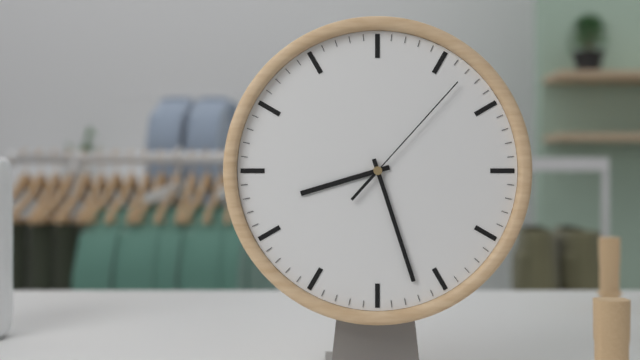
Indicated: 8 h 27 min 07 s
